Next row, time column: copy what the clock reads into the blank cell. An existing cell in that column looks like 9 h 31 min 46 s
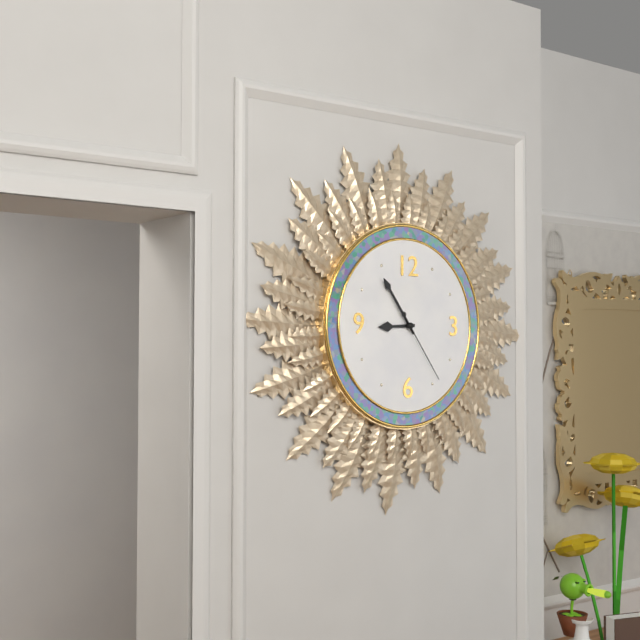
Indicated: 8 h 54 min 24 s
